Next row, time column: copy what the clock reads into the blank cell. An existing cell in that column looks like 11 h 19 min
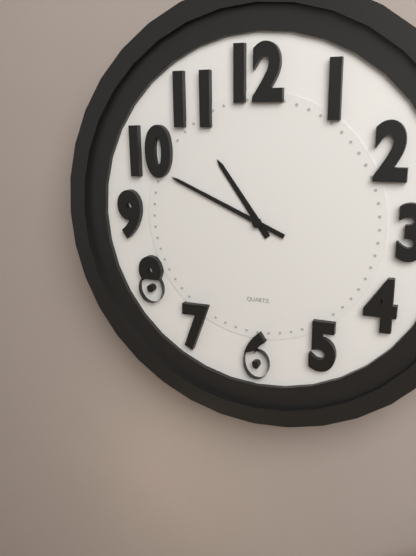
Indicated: 10 h 49 min
